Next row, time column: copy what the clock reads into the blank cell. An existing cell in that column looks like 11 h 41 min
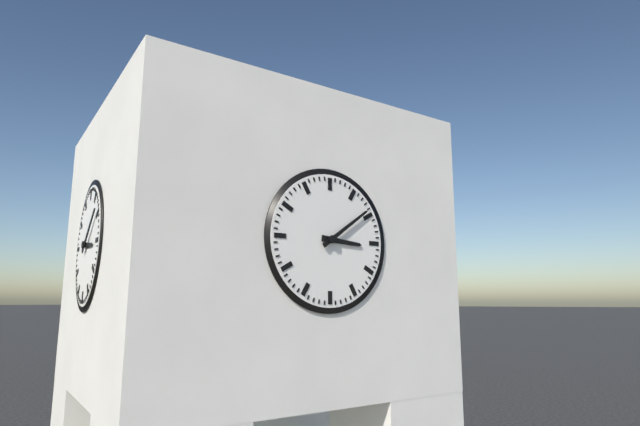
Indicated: 3 h 09 min
